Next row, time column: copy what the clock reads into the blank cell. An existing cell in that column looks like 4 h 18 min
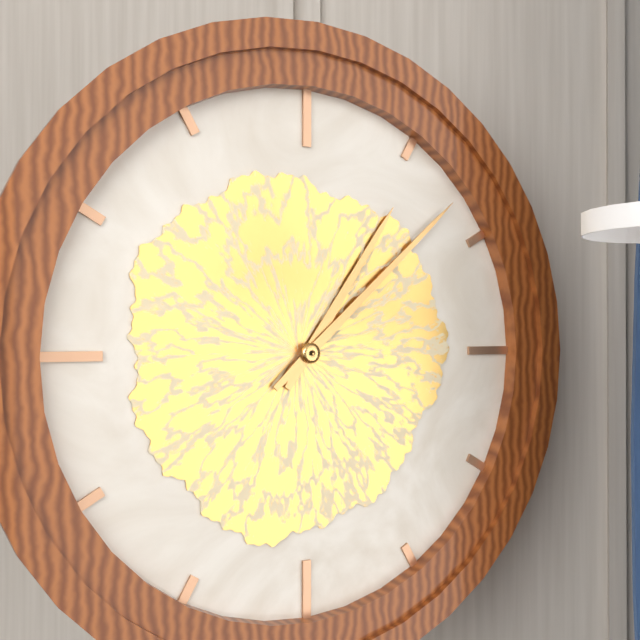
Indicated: 1 h 08 min
